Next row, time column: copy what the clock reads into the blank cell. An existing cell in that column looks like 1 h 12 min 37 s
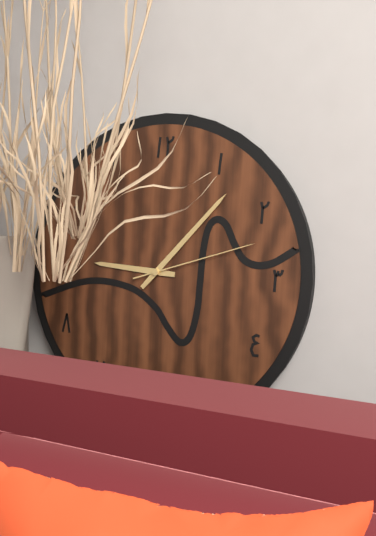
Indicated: 9 h 07 min 12 s
